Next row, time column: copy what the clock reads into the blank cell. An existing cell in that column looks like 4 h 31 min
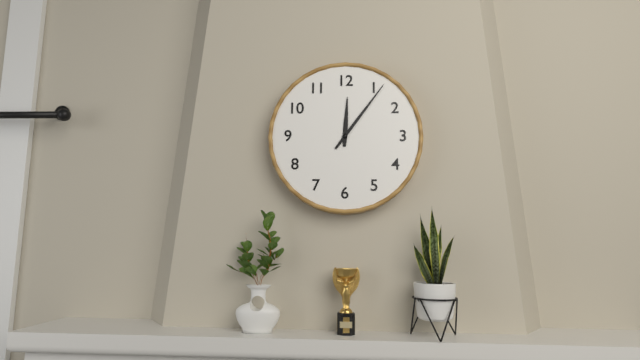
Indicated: 12 h 06 min
